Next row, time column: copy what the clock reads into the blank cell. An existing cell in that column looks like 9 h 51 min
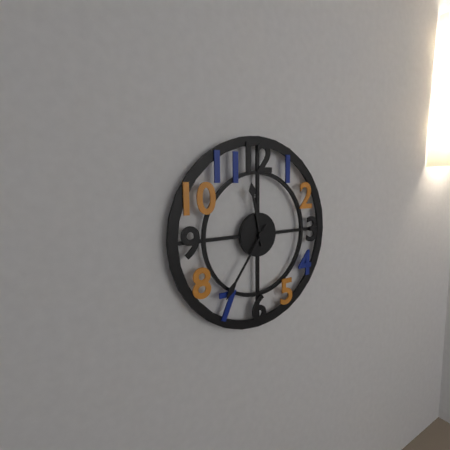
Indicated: 11 h 36 min
